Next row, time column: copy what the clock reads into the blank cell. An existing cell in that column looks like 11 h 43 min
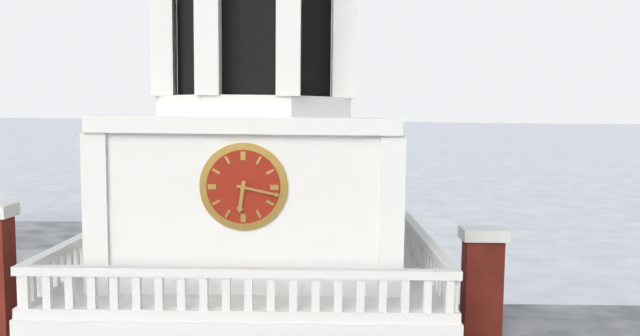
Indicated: 6 h 17 min
